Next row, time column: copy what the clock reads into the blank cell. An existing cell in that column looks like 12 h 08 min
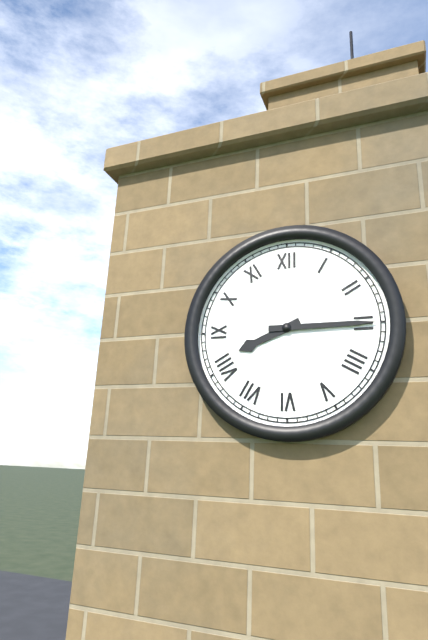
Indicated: 8 h 15 min
